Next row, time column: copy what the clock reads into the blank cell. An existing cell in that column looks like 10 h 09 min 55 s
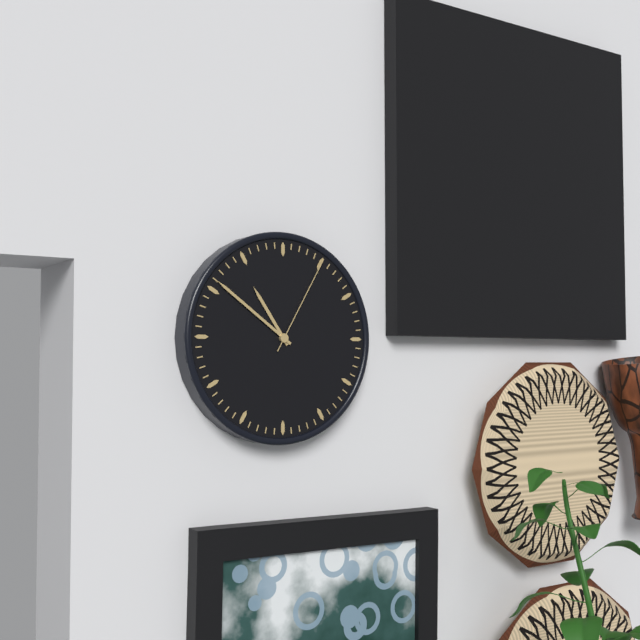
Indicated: 10 h 51 min 05 s
